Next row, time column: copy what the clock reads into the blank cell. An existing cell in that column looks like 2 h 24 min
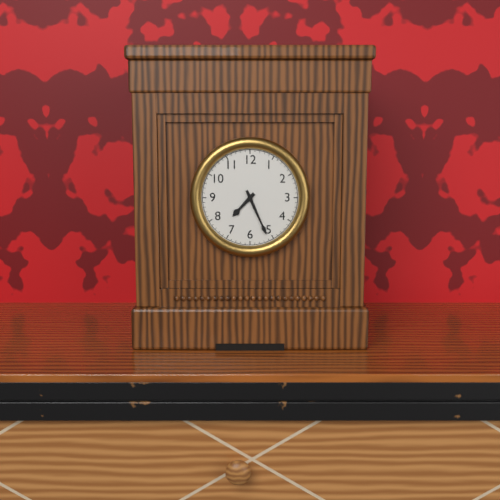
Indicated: 7 h 26 min
